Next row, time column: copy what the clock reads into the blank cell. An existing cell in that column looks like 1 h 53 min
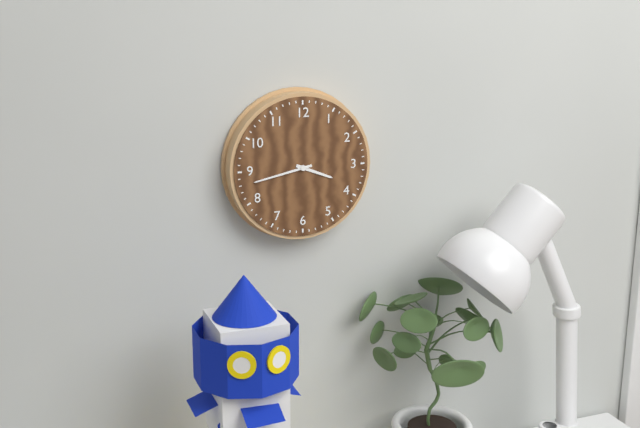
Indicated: 3 h 43 min
